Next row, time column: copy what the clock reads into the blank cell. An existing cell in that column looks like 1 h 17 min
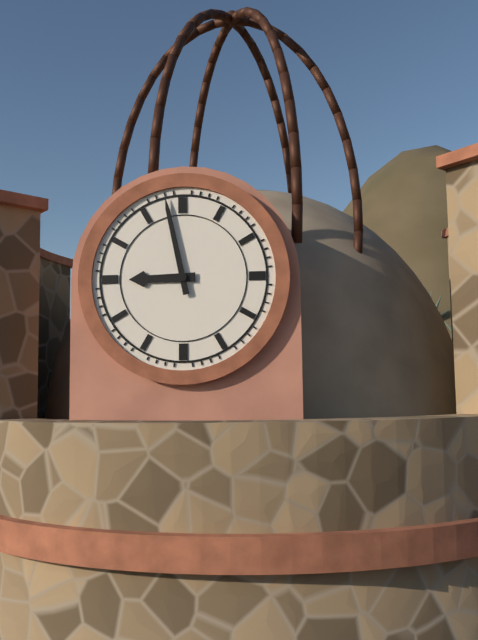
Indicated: 8 h 58 min
